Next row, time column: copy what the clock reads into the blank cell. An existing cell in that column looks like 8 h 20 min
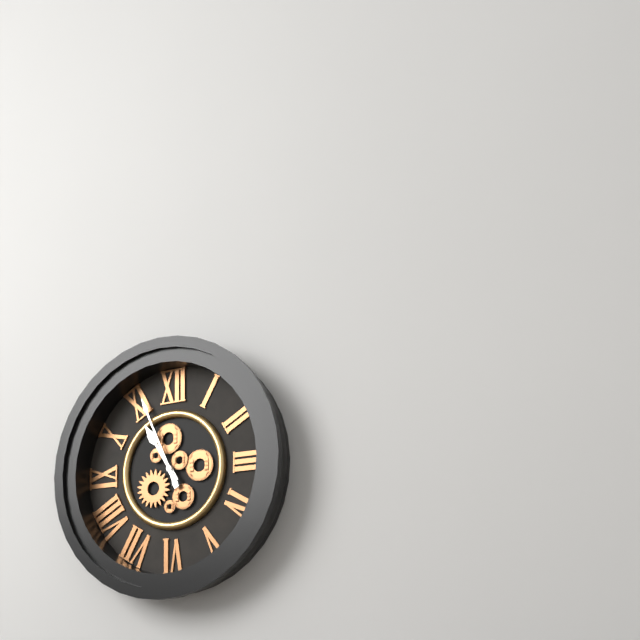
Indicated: 10 h 56 min
